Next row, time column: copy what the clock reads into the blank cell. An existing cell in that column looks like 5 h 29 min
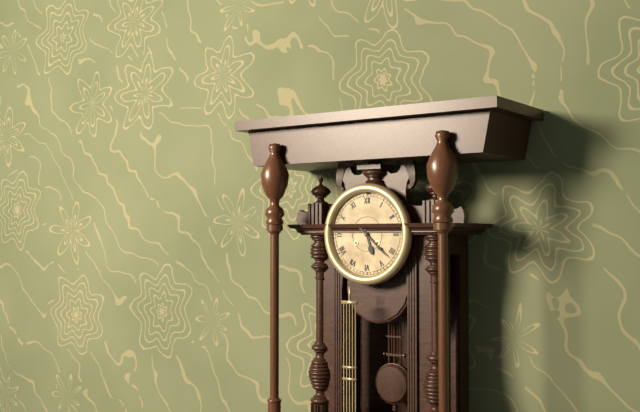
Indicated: 5 h 22 min
